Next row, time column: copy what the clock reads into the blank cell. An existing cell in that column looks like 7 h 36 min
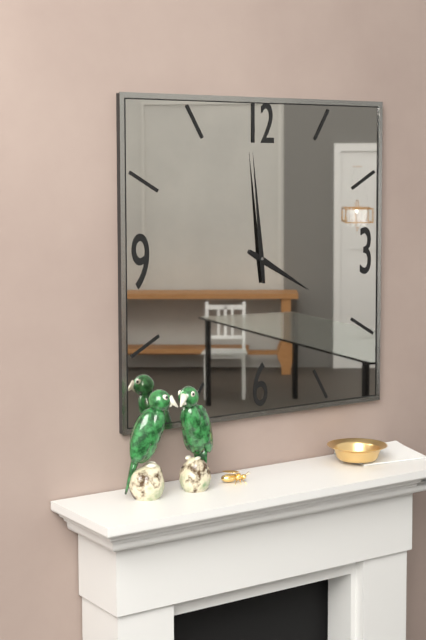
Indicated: 3 h 59 min
